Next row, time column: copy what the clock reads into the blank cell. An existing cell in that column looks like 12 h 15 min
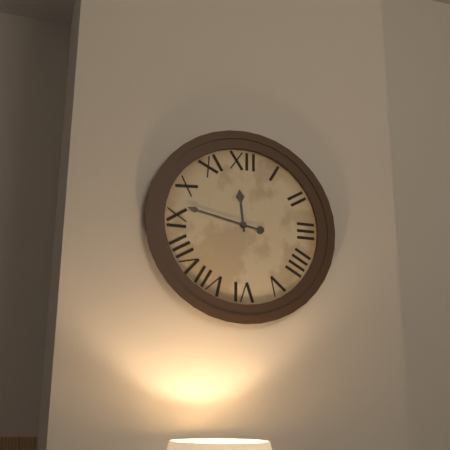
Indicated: 11 h 47 min
